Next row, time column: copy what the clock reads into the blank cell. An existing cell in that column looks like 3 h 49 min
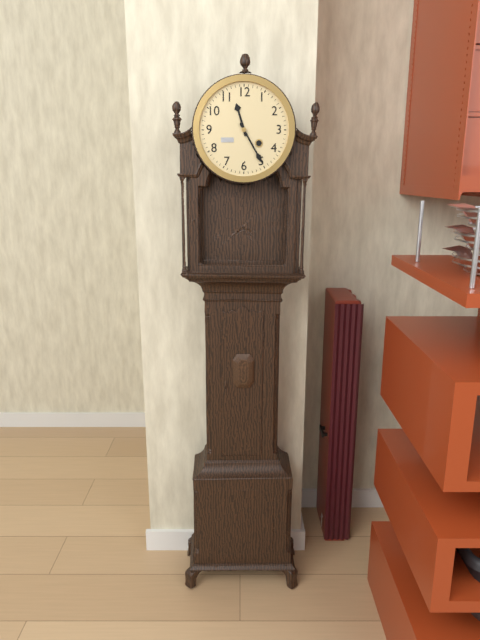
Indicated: 11 h 25 min
